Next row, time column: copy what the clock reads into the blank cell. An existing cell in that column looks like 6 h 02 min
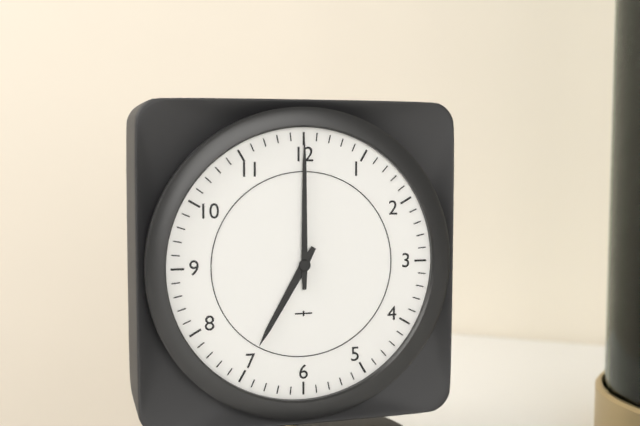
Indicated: 7 h 00 min
